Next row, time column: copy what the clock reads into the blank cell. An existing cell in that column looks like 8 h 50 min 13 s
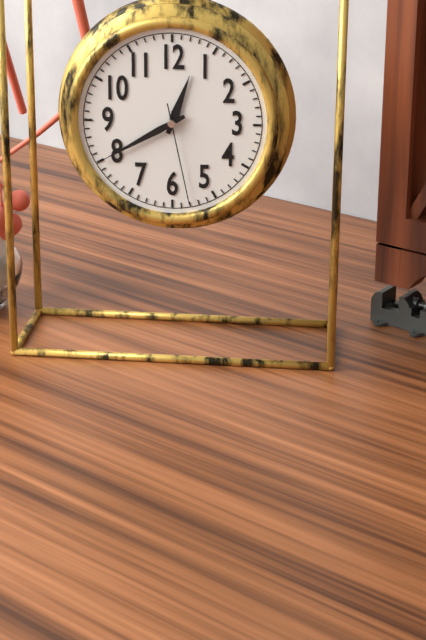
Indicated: 12 h 40 min 28 s
